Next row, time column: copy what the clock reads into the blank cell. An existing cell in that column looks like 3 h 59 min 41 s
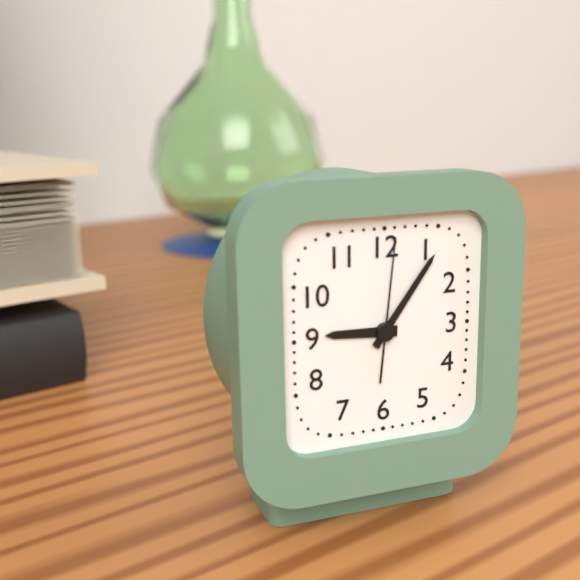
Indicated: 9 h 06 min 01 s
